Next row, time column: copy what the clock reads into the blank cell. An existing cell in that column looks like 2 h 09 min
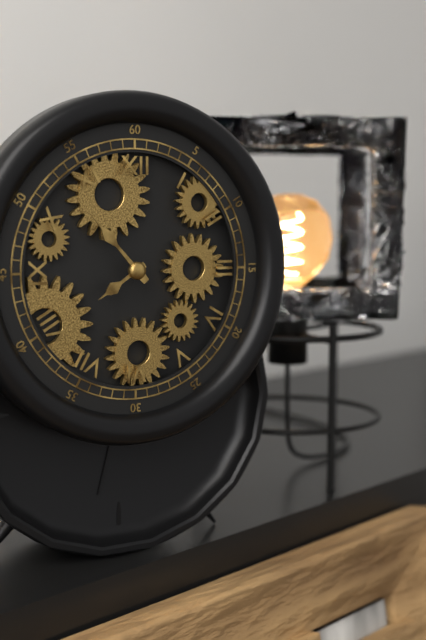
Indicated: 7 h 53 min
